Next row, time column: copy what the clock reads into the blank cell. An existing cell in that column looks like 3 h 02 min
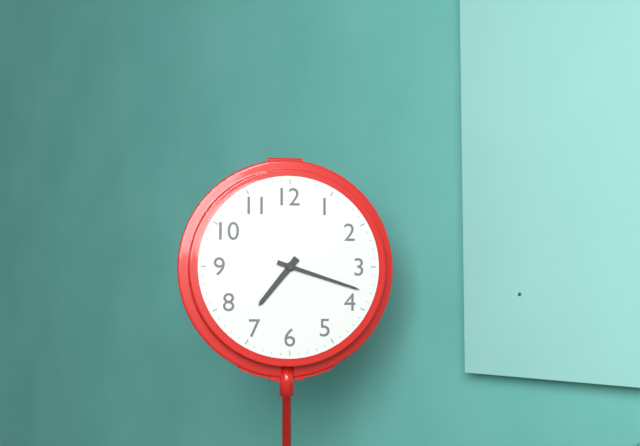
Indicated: 7 h 18 min
